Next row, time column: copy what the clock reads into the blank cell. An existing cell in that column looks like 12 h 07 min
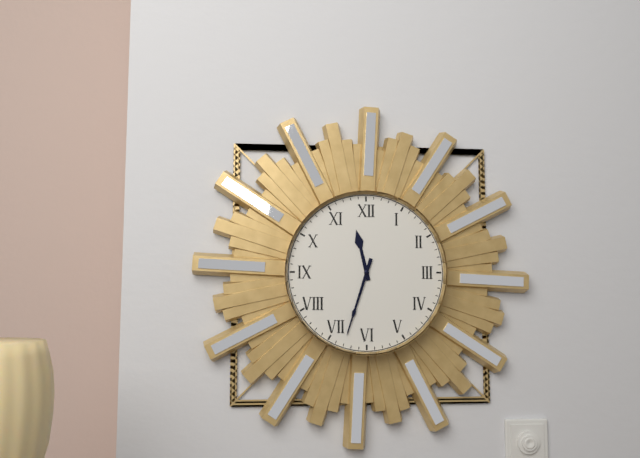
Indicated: 11 h 33 min
